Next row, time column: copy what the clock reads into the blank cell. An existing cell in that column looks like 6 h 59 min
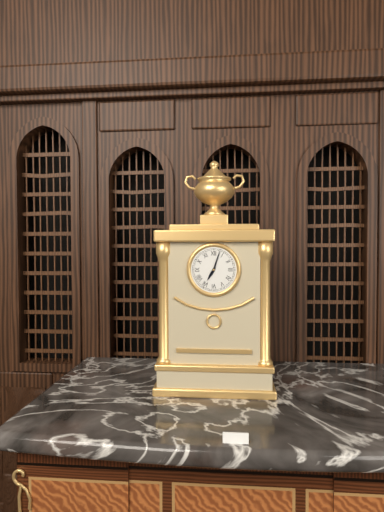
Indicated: 7 h 03 min
